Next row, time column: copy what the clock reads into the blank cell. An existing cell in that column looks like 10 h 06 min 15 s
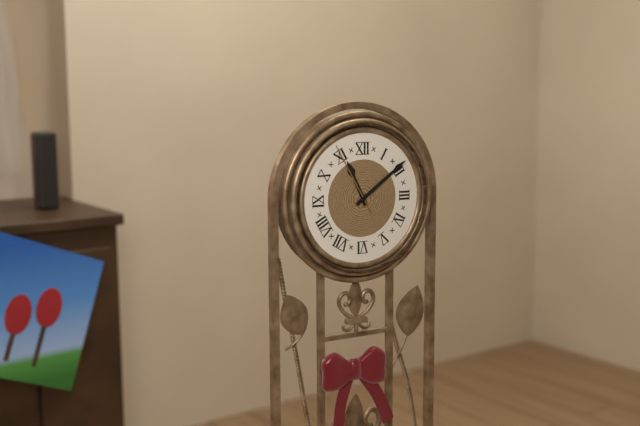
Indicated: 11 h 09 min 55 s
